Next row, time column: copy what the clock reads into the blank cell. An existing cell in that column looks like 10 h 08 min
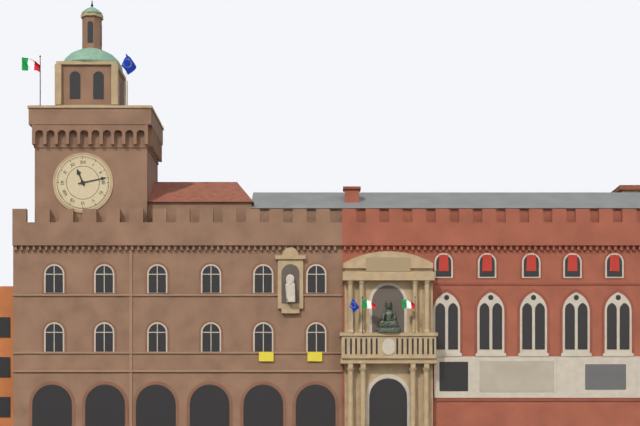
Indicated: 11 h 13 min
